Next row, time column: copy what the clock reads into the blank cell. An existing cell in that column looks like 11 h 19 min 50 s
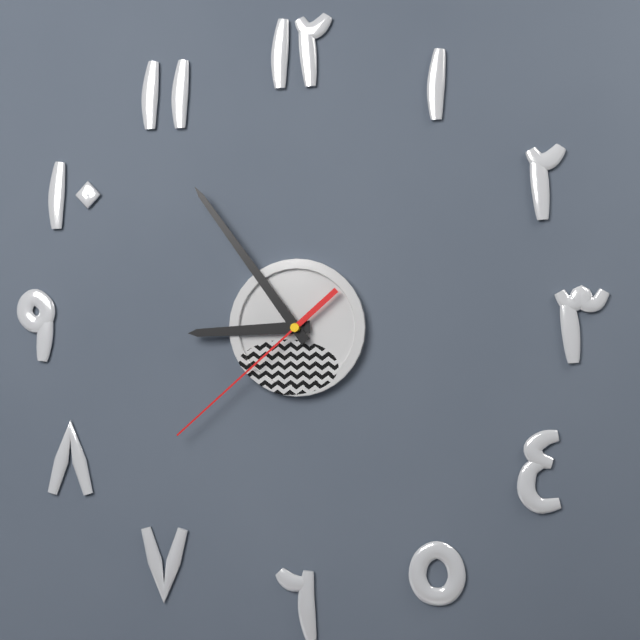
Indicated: 8 h 54 min 38 s
